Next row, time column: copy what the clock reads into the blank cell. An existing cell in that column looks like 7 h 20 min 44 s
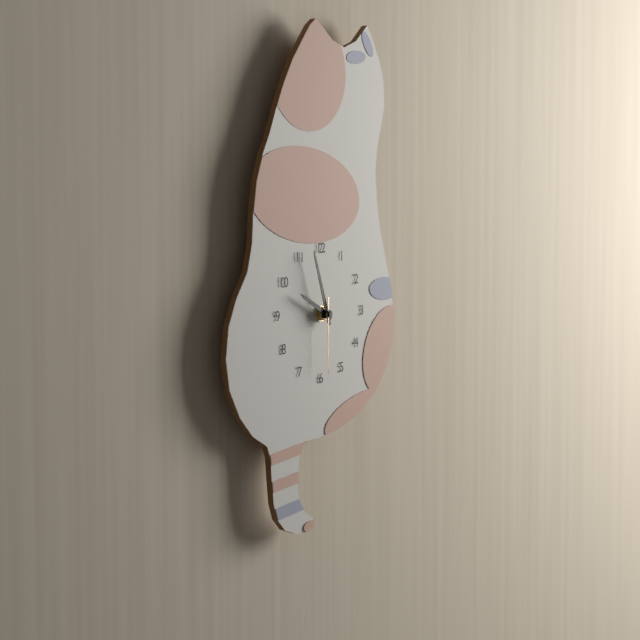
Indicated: 9 h 57 min 30 s
